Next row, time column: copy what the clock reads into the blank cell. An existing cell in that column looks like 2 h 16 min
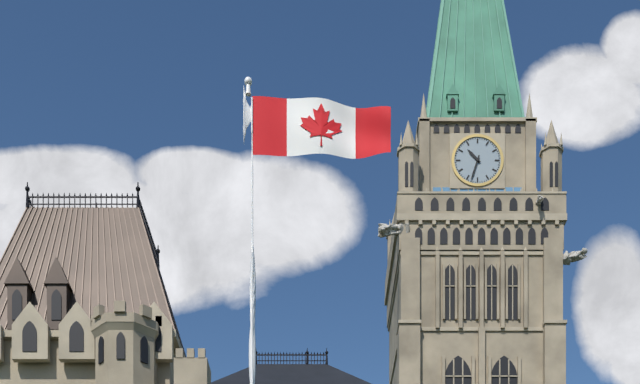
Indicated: 10 h 33 min
